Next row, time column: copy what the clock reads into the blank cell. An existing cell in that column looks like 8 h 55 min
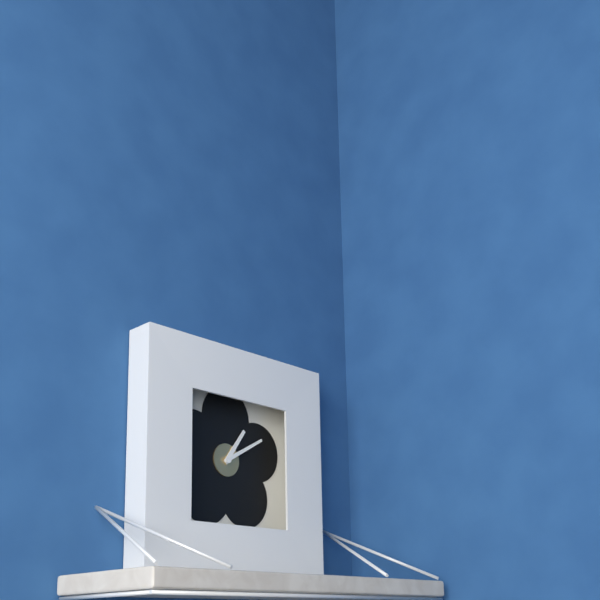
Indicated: 1 h 10 min
